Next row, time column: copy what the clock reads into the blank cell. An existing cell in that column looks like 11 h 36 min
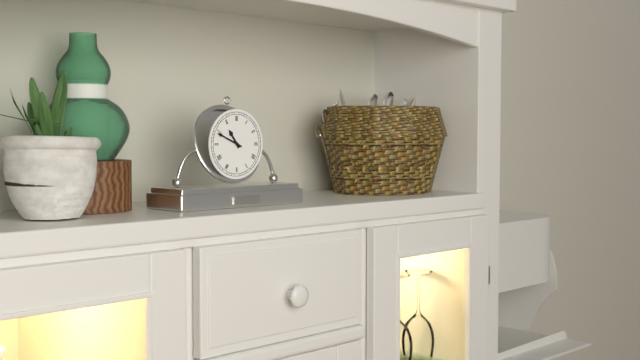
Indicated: 10 h 49 min
